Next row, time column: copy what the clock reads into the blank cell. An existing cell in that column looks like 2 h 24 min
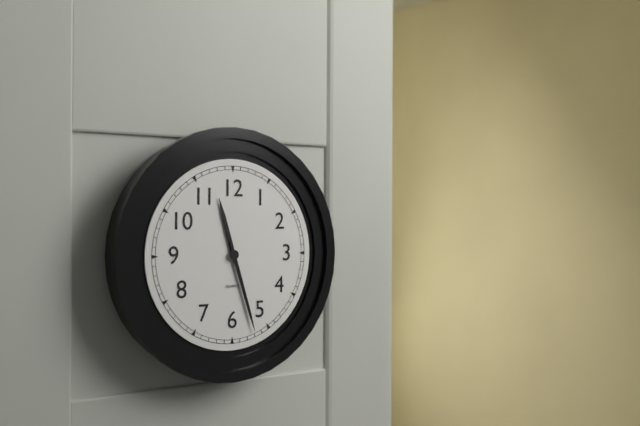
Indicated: 11 h 27 min
